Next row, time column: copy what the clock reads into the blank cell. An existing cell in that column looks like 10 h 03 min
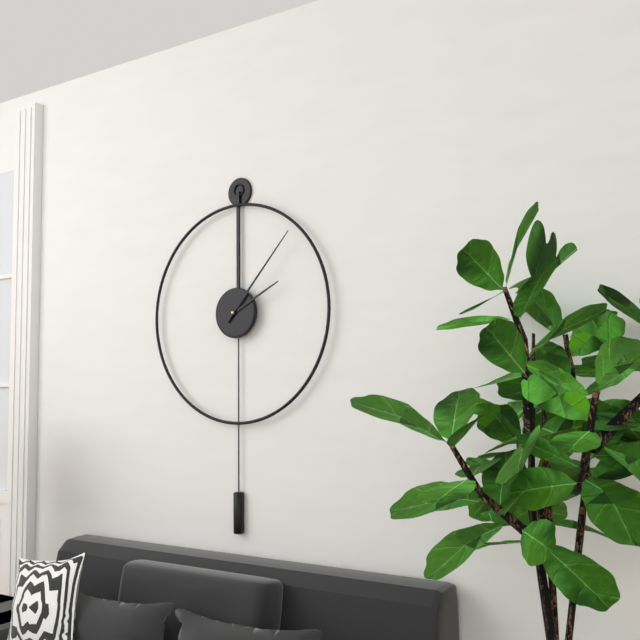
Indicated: 2 h 07 min
